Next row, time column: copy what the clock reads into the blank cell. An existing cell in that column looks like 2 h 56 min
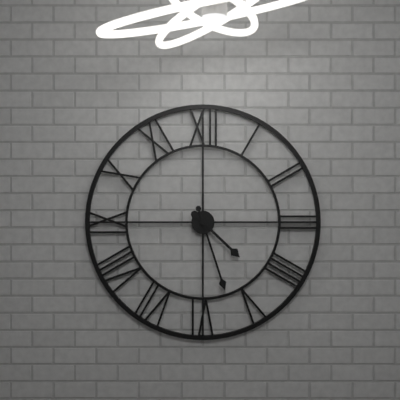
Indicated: 4 h 27 min
